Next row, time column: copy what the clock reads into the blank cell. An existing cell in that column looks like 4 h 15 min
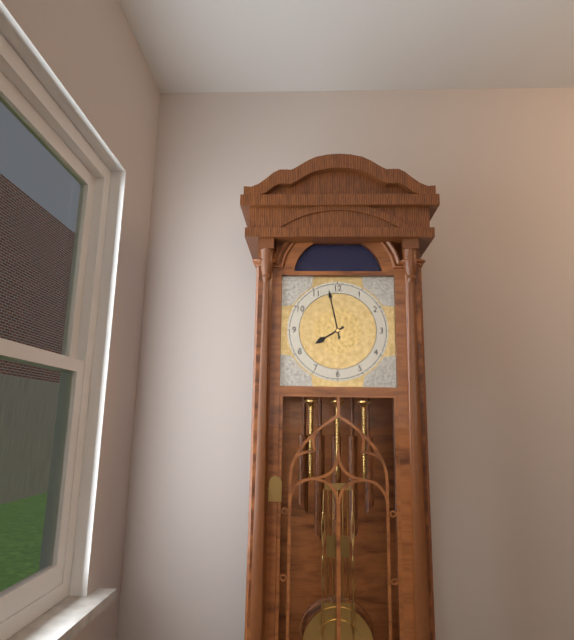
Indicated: 7 h 58 min
